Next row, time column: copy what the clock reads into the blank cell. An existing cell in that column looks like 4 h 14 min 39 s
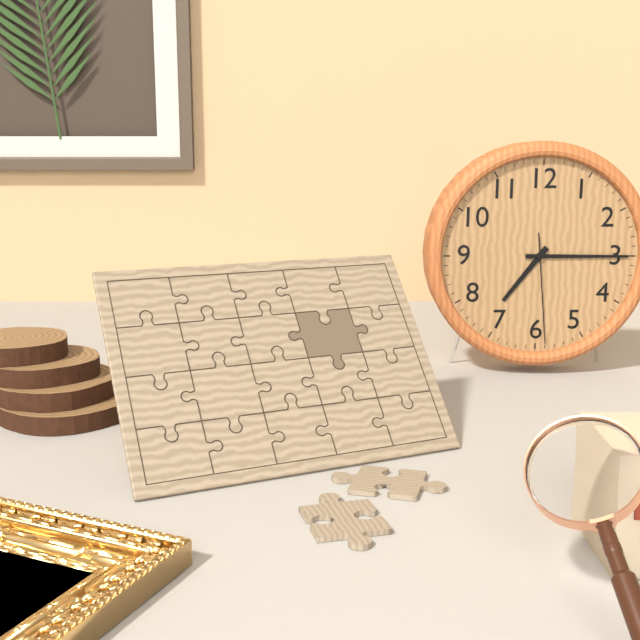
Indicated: 7 h 15 min 29 s
